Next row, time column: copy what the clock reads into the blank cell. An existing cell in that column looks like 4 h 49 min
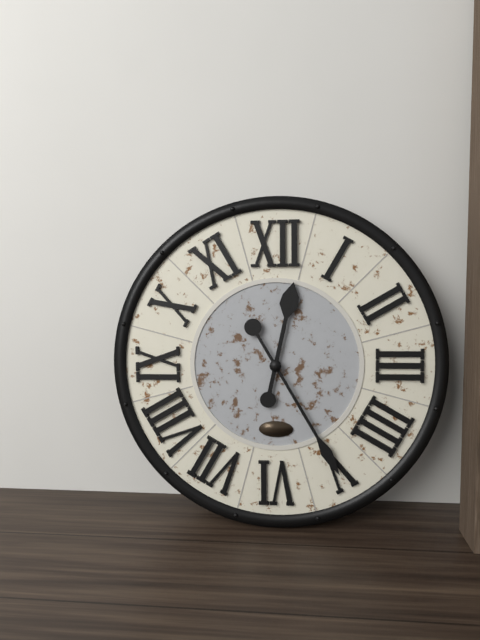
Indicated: 12 h 25 min
